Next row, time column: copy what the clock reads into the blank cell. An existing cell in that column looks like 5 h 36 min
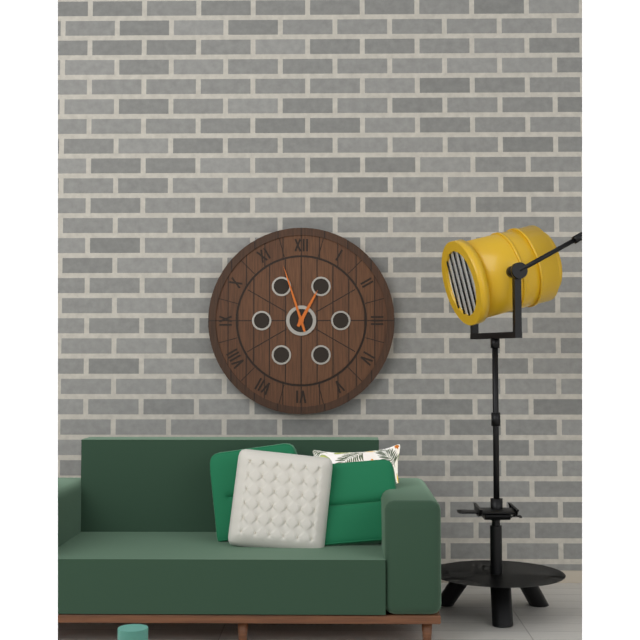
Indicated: 12 h 57 min
